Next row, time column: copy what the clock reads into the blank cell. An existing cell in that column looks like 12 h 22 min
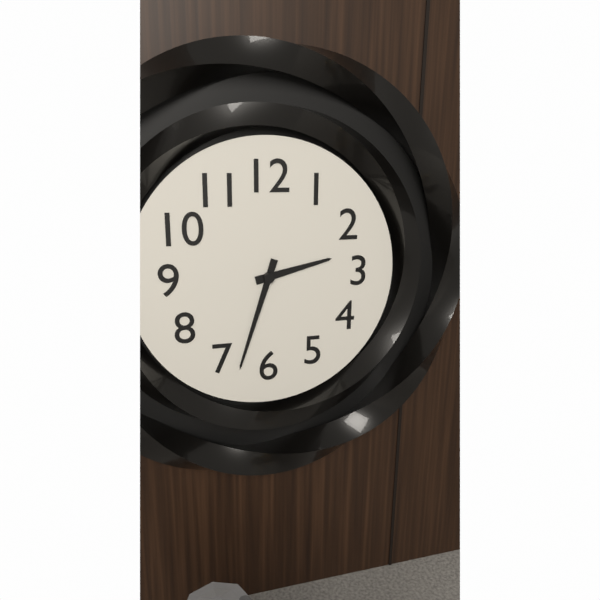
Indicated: 2 h 33 min
